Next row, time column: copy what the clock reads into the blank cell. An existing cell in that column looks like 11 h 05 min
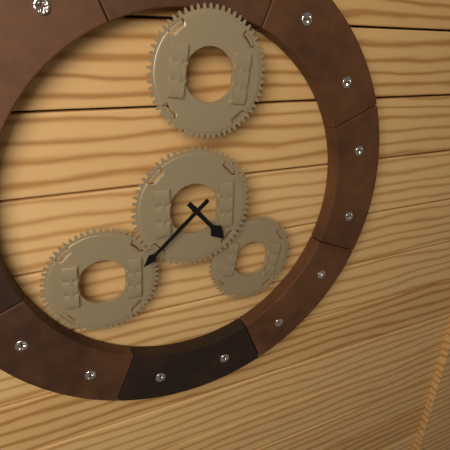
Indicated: 4 h 38 min
